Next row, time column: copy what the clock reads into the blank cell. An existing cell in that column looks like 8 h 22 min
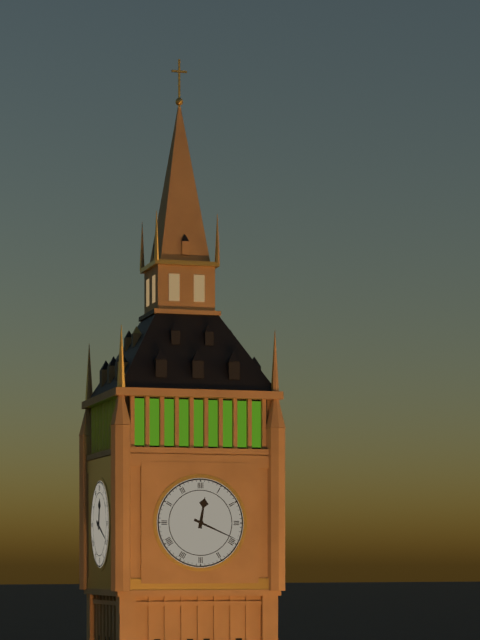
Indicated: 12 h 19 min
